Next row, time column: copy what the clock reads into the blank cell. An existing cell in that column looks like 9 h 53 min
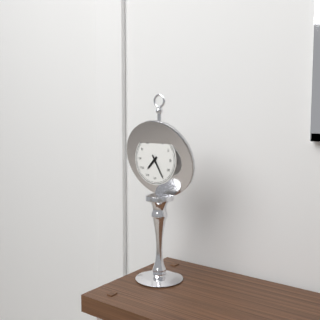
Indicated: 7 h 25 min
